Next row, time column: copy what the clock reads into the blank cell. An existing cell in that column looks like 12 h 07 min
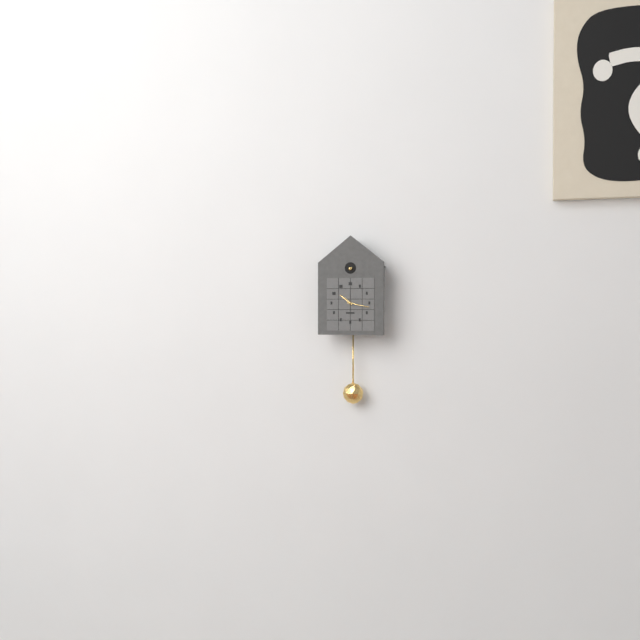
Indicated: 10 h 17 min
